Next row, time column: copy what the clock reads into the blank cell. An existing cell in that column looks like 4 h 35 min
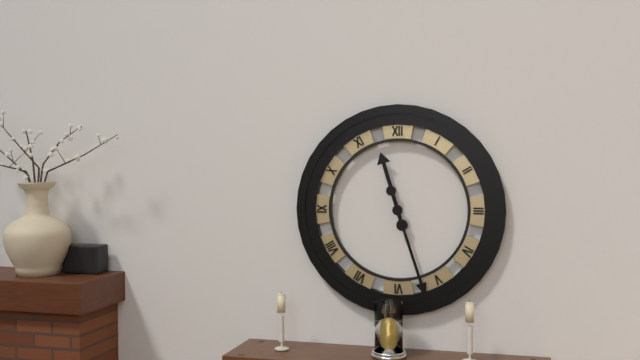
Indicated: 11 h 27 min
